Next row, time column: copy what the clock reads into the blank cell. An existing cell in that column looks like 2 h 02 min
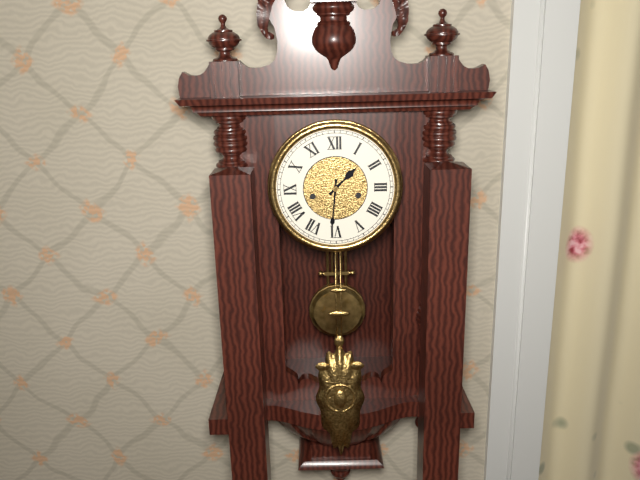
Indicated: 1 h 31 min
